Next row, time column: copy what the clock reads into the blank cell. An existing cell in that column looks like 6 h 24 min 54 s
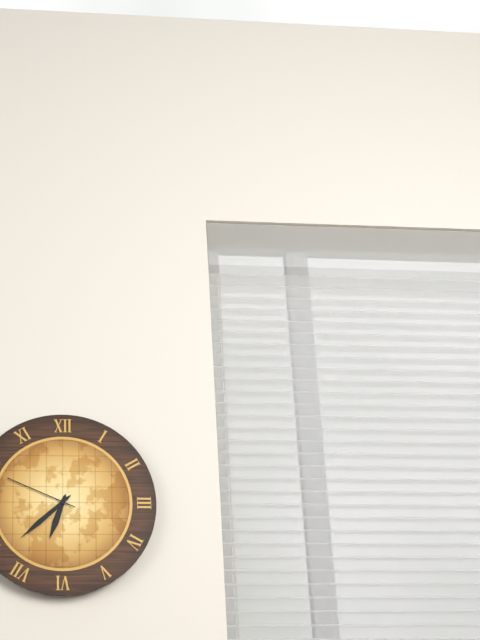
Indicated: 6 h 38 min 49 s
